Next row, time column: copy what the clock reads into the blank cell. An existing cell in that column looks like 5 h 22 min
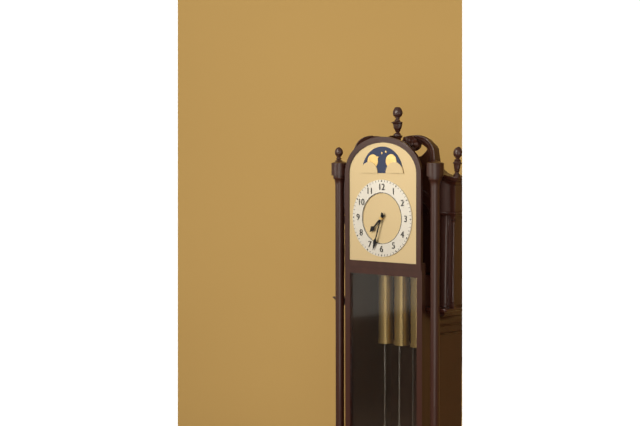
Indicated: 7 h 33 min
